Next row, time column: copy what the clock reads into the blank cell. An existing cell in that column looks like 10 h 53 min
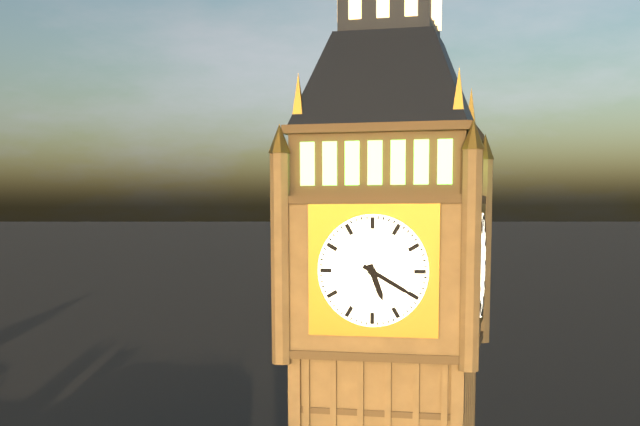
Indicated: 5 h 20 min
